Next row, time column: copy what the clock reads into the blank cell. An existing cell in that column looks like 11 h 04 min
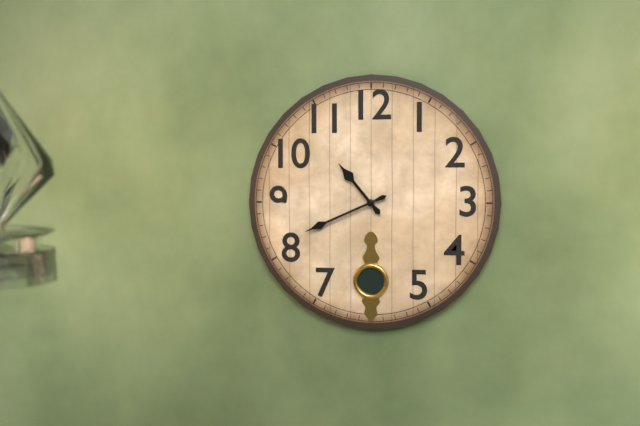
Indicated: 10 h 41 min
